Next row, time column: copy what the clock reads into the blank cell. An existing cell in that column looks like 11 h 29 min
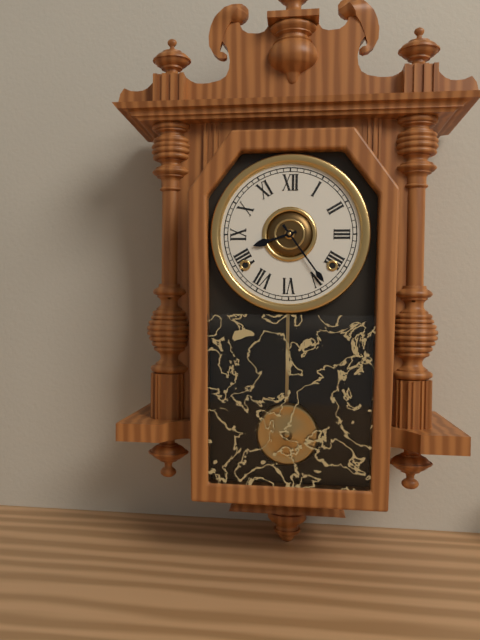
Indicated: 8 h 24 min
